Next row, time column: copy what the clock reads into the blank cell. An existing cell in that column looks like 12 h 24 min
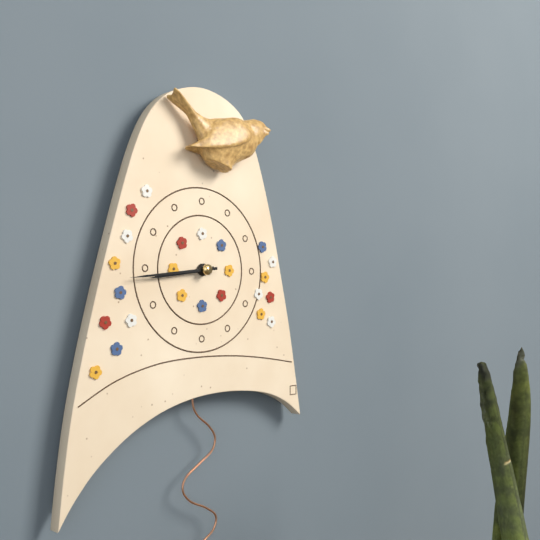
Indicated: 8 h 44 min
